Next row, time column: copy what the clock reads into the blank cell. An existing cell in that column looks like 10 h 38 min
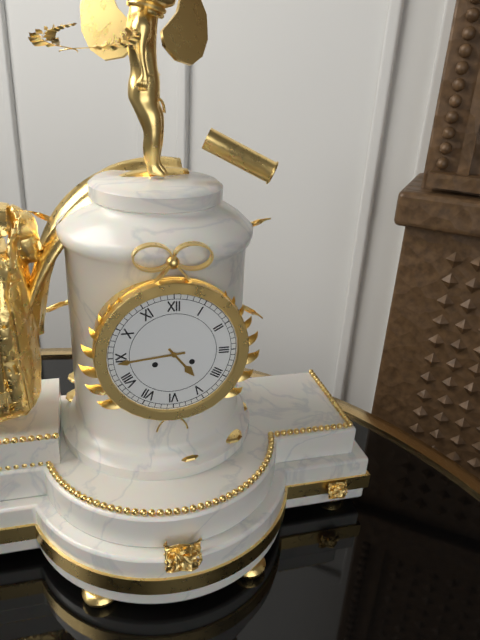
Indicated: 4 h 44 min
